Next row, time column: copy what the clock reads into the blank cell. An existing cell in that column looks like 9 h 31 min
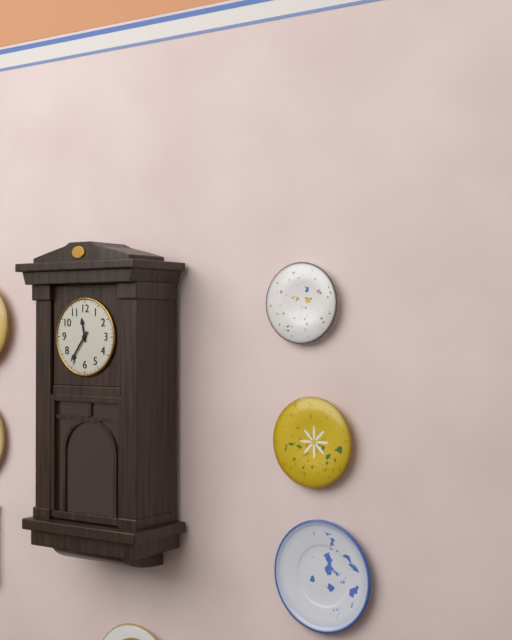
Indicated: 11 h 36 min
